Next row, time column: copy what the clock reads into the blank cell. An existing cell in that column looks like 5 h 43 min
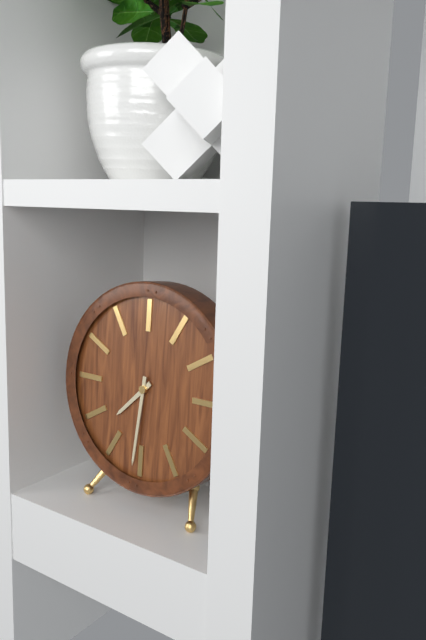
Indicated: 7 h 31 min
